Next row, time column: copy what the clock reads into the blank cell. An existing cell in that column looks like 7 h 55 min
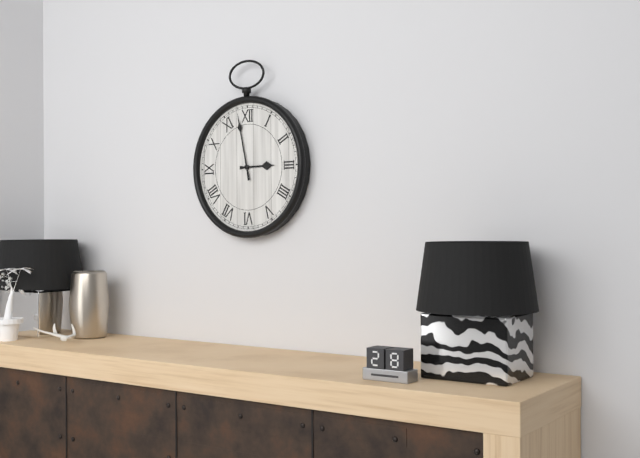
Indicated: 2 h 58 min
